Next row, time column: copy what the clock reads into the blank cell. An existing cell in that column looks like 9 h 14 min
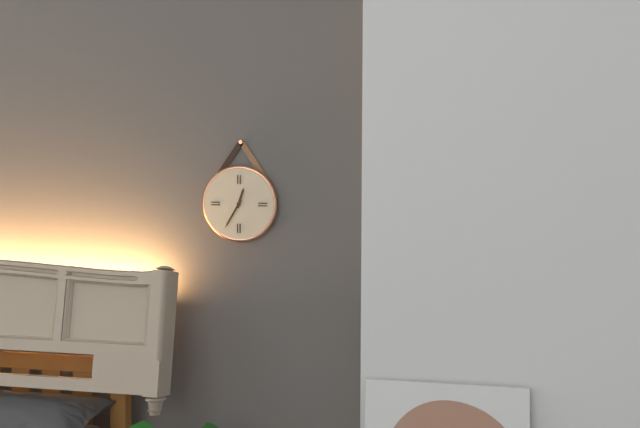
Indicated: 12 h 35 min
